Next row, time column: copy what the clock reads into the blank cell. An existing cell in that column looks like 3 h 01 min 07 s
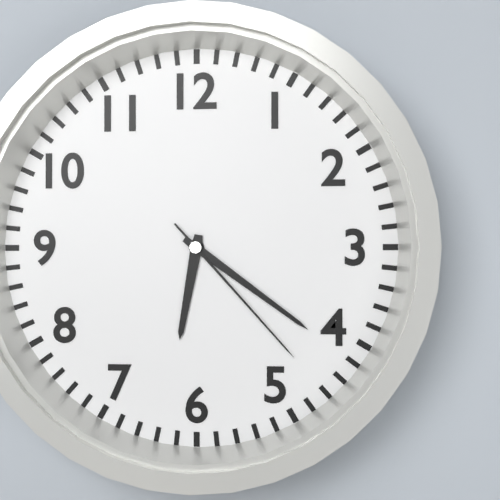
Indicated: 6 h 21 min 23 s
